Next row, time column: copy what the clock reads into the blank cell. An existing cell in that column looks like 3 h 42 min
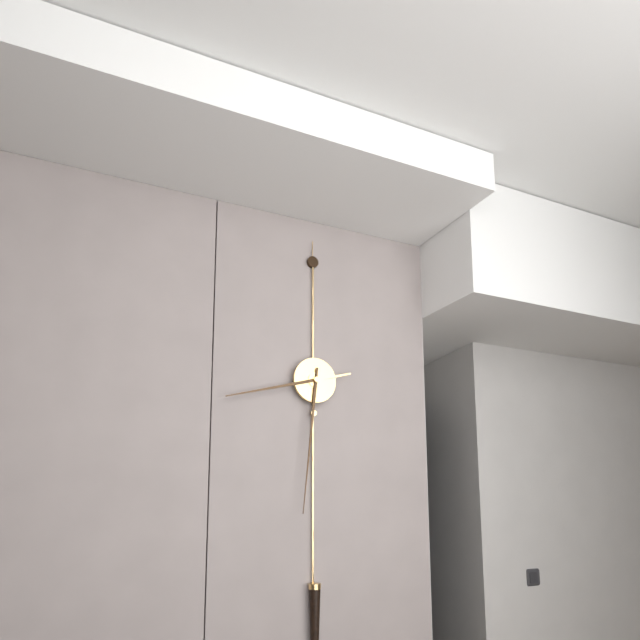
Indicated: 8 h 31 min
